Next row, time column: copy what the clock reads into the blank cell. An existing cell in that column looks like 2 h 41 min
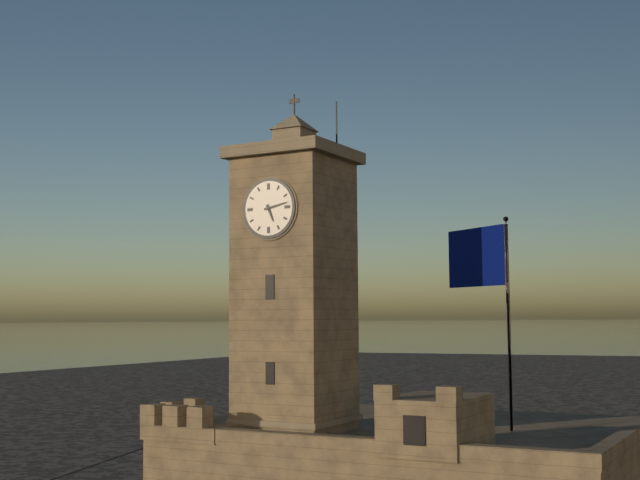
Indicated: 5 h 13 min
